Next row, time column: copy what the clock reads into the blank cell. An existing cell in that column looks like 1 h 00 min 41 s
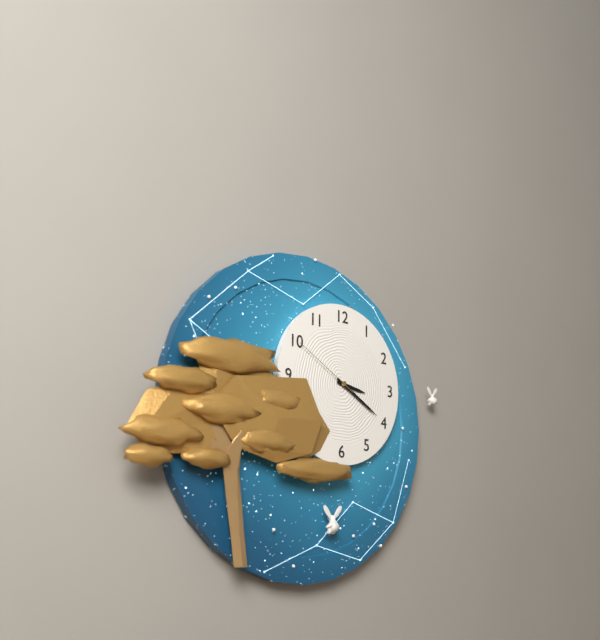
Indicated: 3 h 20 min 50 s
